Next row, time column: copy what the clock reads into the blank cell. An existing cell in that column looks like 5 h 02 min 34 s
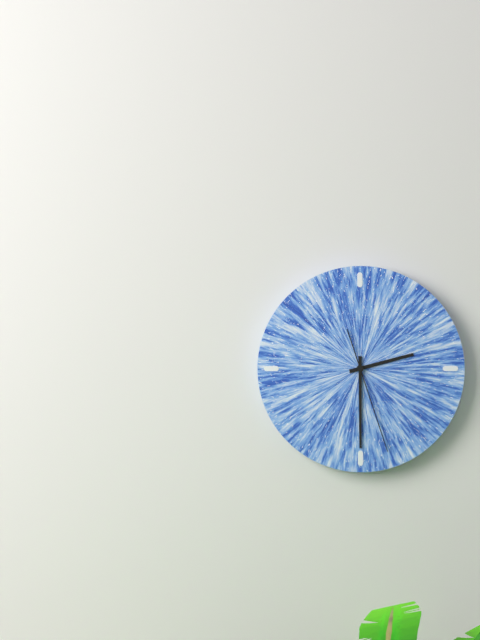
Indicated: 2 h 30 min 27 s
